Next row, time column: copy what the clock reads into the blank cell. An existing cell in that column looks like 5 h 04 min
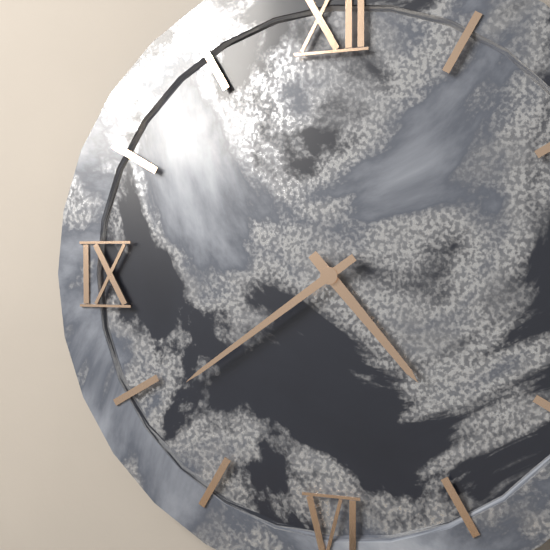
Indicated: 4 h 39 min
